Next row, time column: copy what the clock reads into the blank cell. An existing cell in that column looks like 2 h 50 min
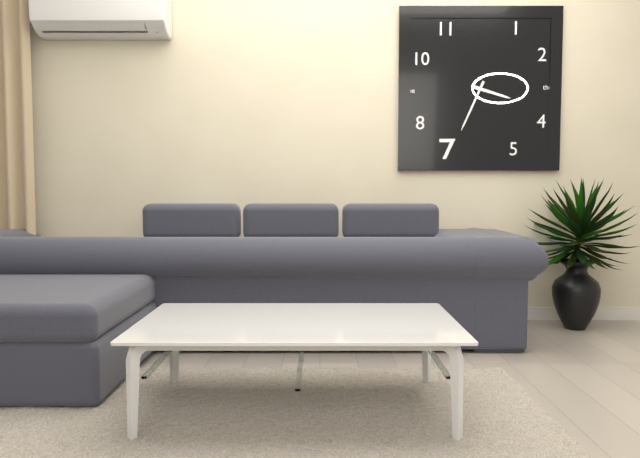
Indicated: 3 h 34 min
